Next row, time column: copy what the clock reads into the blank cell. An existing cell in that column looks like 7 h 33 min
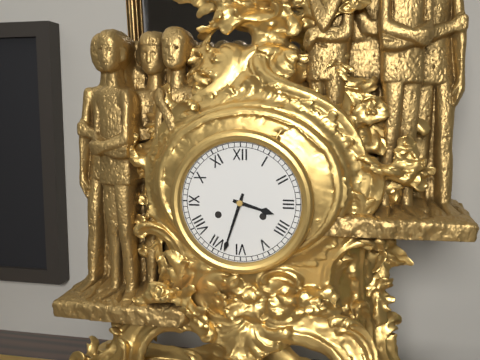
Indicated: 3 h 33 min
